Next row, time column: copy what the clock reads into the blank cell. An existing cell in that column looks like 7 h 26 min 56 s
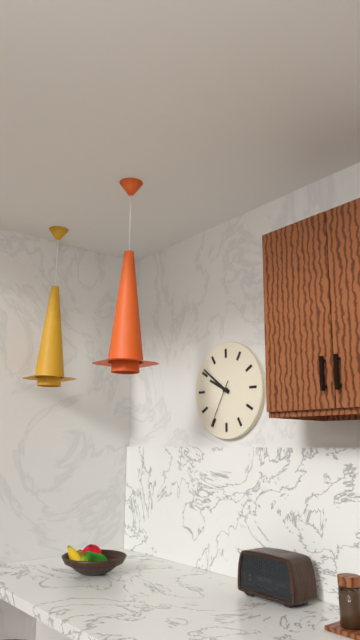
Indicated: 9 h 51 min 35 s
